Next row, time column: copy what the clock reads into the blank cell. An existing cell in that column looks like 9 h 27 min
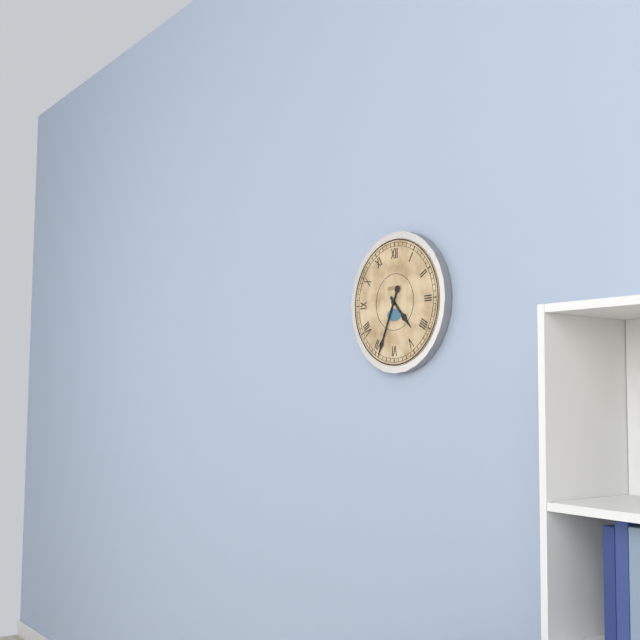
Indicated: 4 h 34 min
